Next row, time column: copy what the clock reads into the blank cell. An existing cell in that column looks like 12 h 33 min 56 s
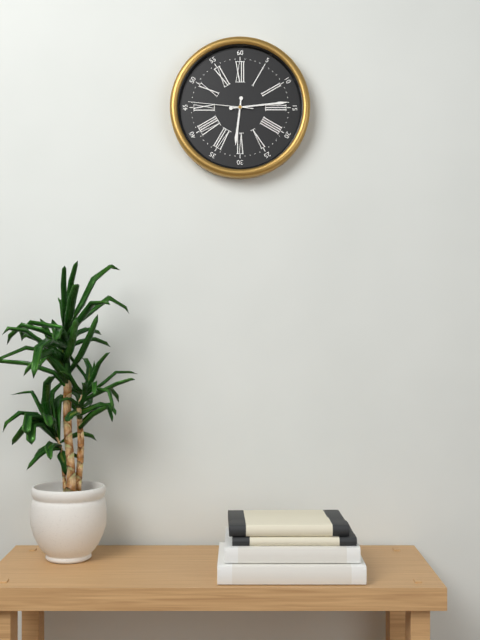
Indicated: 6 h 14 min 46 s
